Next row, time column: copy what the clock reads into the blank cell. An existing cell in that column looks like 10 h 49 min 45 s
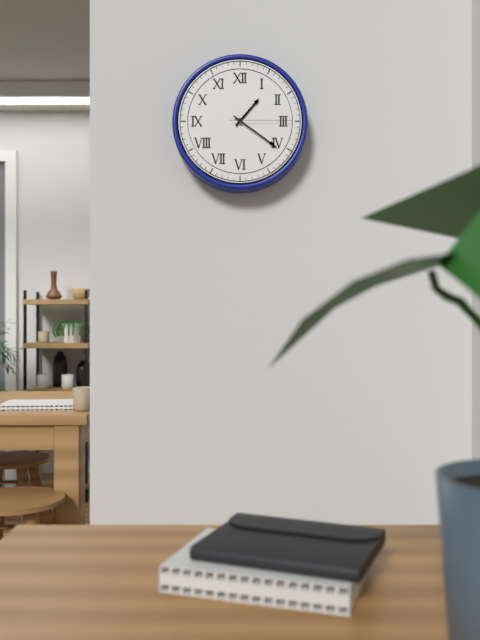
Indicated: 1 h 21 min 15 s
